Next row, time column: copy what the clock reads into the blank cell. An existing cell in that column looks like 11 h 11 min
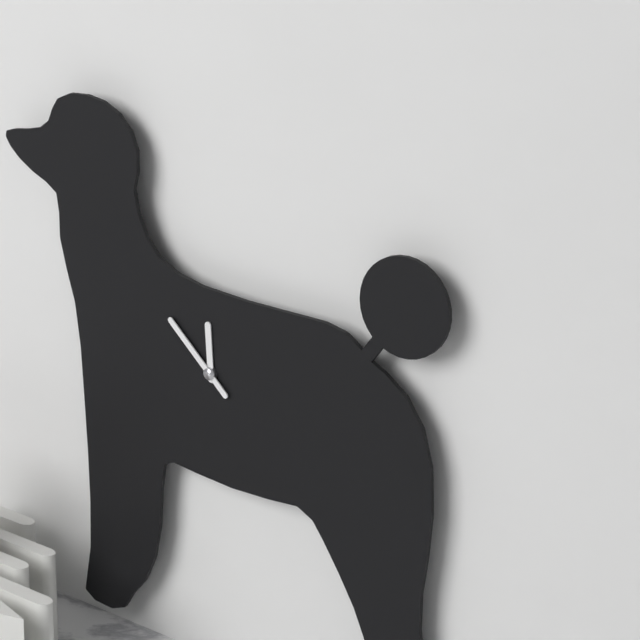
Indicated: 11 h 52 min
